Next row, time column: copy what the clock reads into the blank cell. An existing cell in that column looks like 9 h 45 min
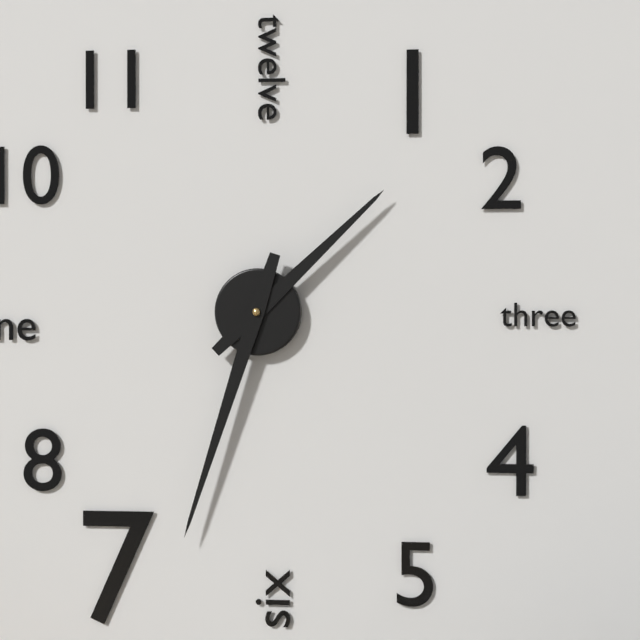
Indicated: 1 h 33 min
